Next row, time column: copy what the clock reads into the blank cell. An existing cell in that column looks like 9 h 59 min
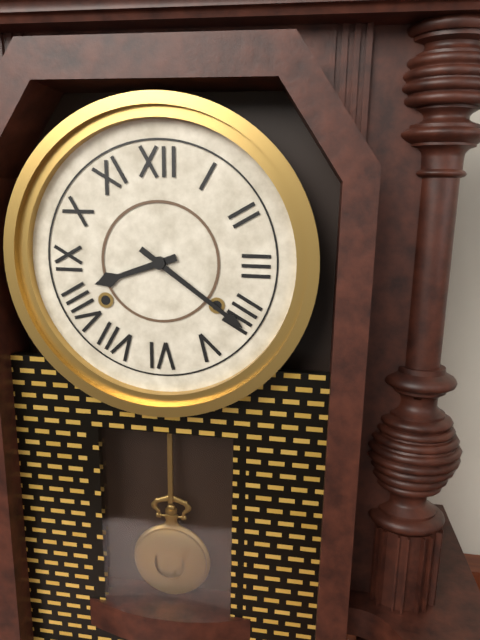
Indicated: 8 h 21 min
